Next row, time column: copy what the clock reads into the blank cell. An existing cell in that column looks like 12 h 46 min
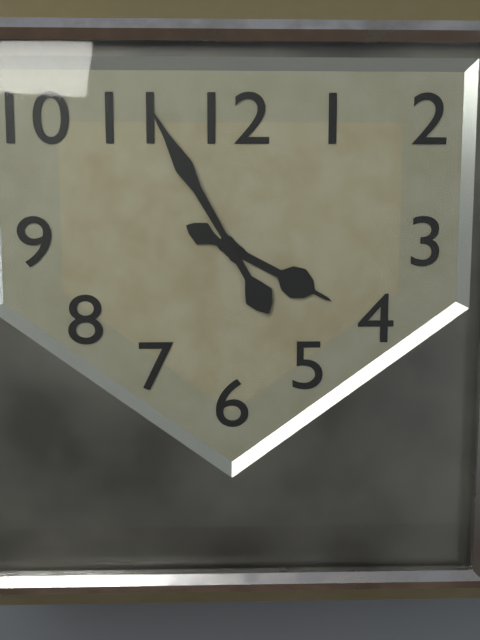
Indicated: 3 h 55 min
